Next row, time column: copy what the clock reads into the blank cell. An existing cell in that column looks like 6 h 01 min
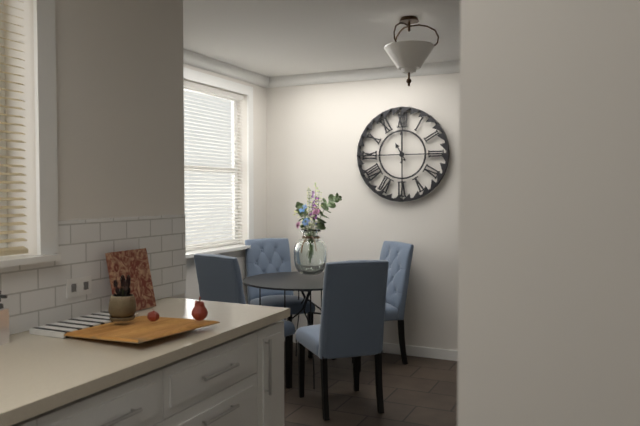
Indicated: 11 h 00 min
